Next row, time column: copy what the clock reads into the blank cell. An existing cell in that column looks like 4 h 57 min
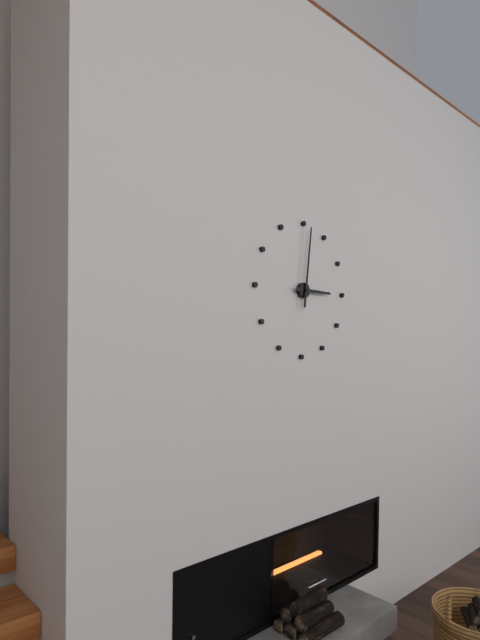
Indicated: 3 h 01 min
